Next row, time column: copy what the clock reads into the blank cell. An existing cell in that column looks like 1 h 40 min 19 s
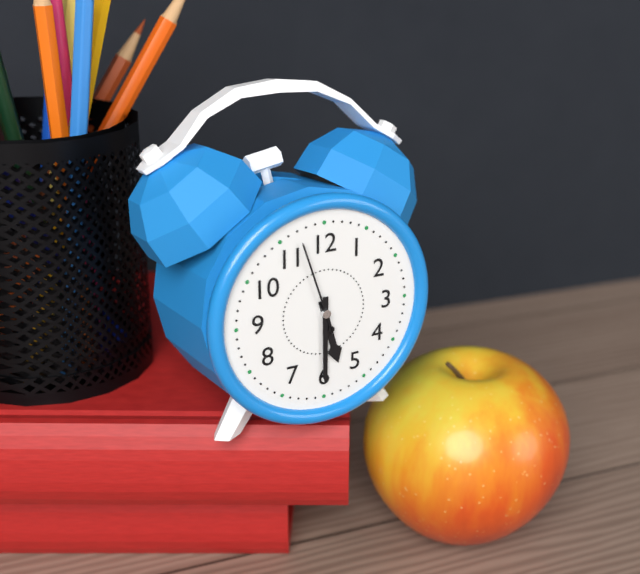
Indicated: 5 h 30 min 57 s
